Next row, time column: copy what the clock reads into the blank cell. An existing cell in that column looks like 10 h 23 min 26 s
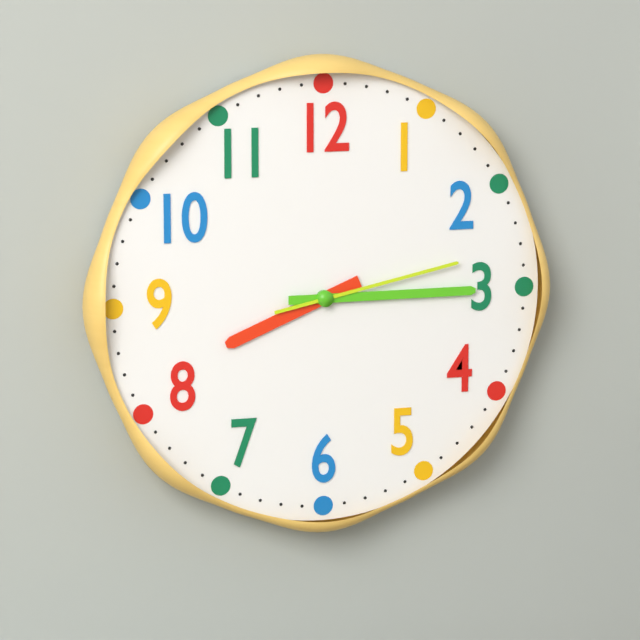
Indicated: 8 h 15 min 13 s
